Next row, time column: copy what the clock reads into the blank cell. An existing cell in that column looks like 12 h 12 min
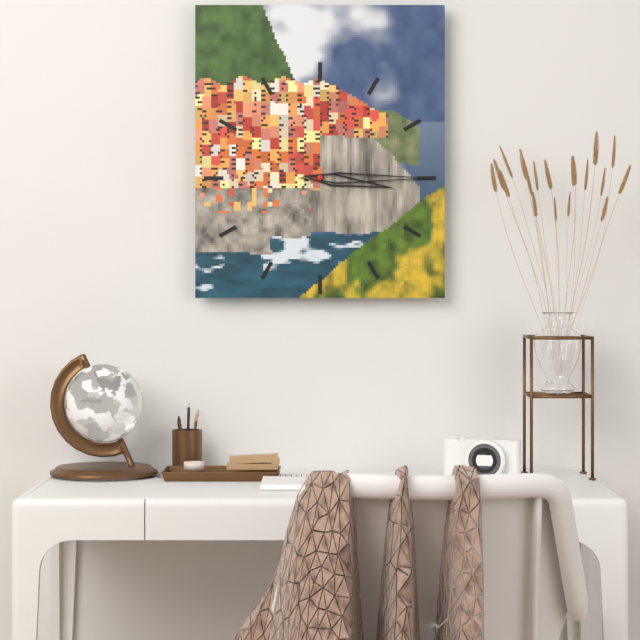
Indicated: 3 h 15 min
